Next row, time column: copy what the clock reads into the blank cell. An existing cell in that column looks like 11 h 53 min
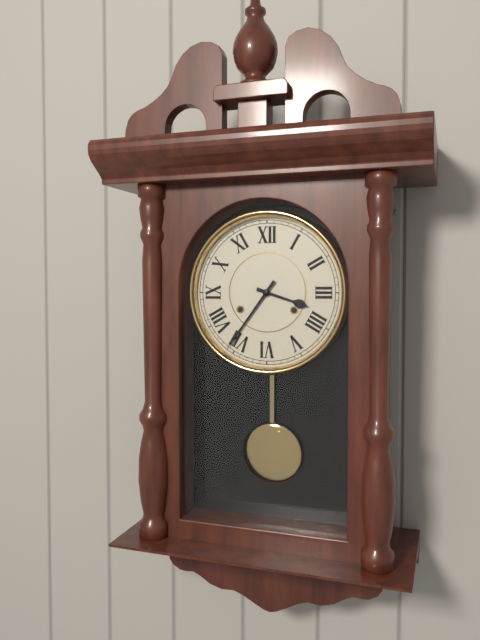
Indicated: 3 h 36 min
